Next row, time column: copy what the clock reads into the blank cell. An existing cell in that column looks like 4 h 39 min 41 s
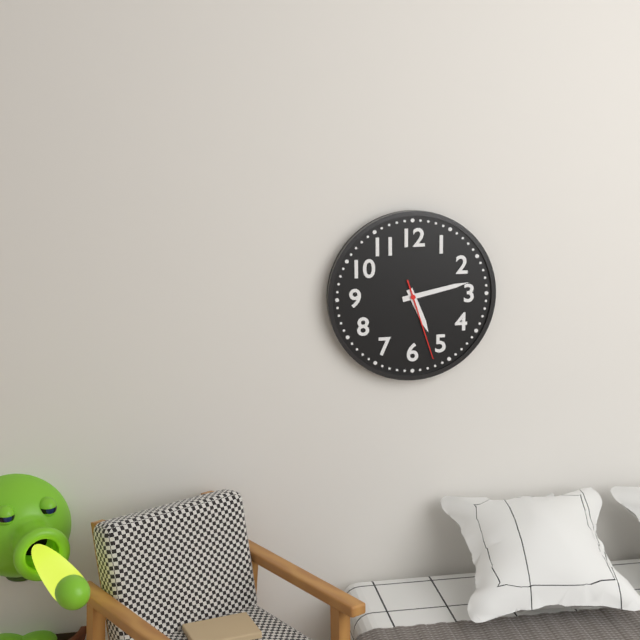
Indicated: 5 h 13 min 27 s
